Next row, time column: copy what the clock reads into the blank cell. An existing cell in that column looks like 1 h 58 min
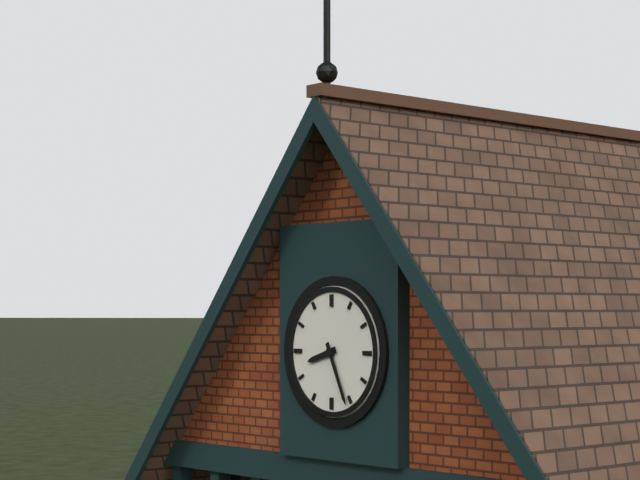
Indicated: 8 h 26 min
